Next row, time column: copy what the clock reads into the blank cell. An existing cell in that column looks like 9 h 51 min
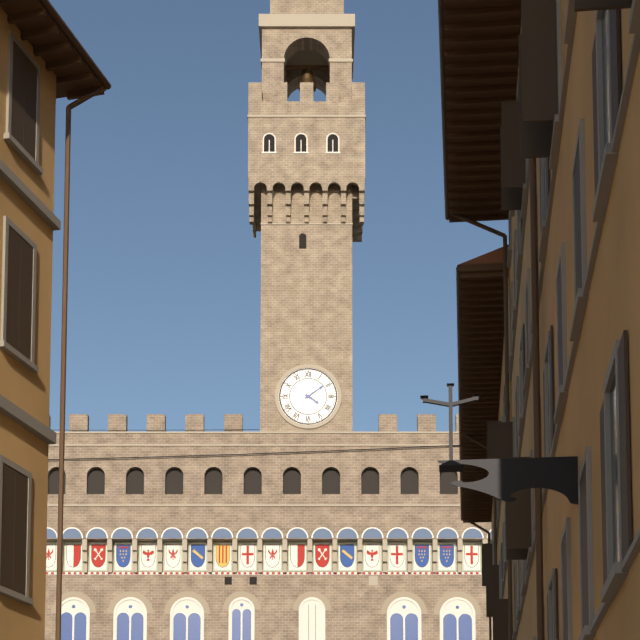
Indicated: 4 h 09 min
